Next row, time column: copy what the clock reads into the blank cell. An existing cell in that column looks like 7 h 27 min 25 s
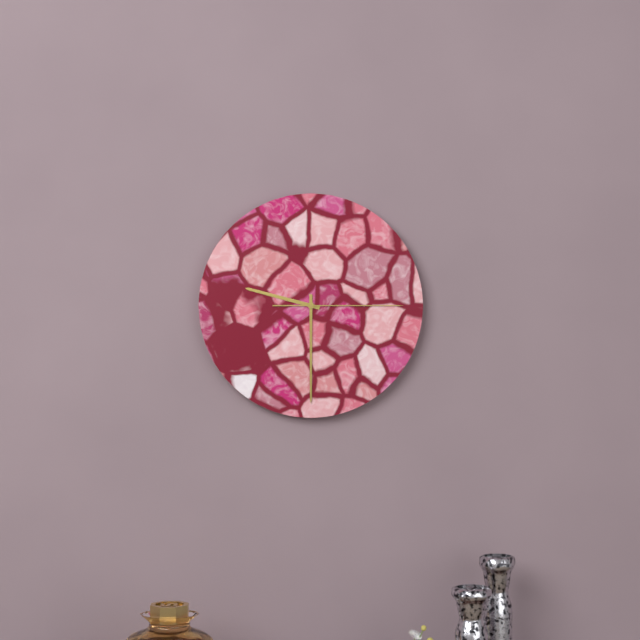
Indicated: 9 h 30 min 15 s
